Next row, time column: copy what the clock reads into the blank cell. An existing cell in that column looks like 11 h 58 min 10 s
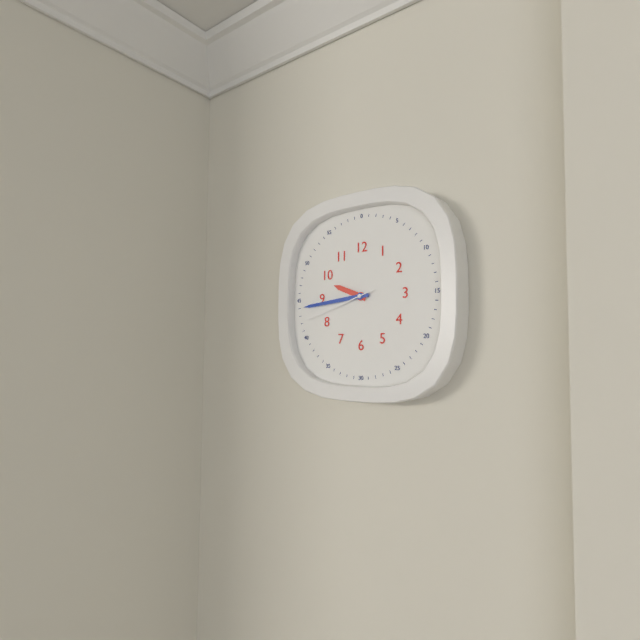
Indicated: 9 h 44 min 42 s
